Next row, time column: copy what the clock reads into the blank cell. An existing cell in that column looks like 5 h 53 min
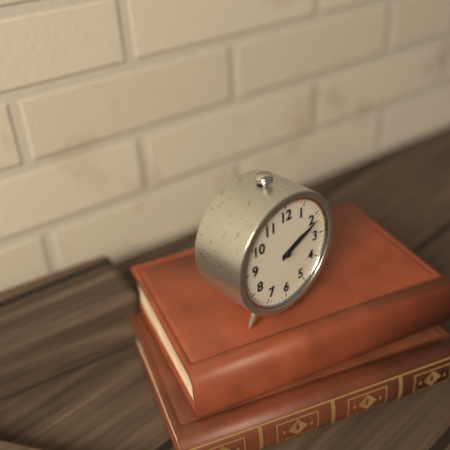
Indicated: 2 h 11 min
